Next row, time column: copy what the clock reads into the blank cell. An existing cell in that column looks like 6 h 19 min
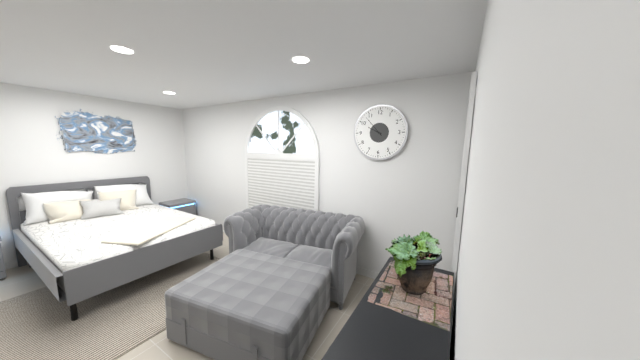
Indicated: 9 h 53 min
